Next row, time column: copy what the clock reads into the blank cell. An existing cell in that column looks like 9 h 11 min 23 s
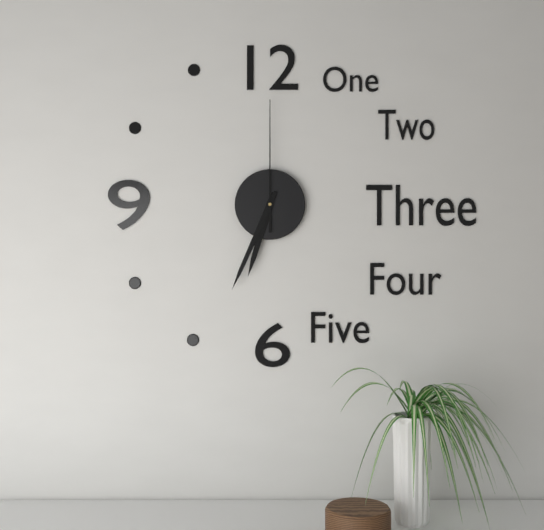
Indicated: 6 h 34 min 00 s
